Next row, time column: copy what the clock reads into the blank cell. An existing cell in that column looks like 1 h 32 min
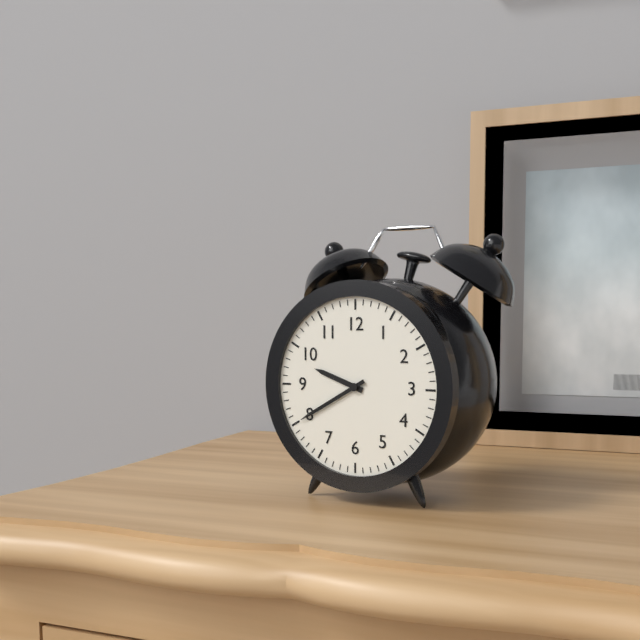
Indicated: 9 h 40 min
